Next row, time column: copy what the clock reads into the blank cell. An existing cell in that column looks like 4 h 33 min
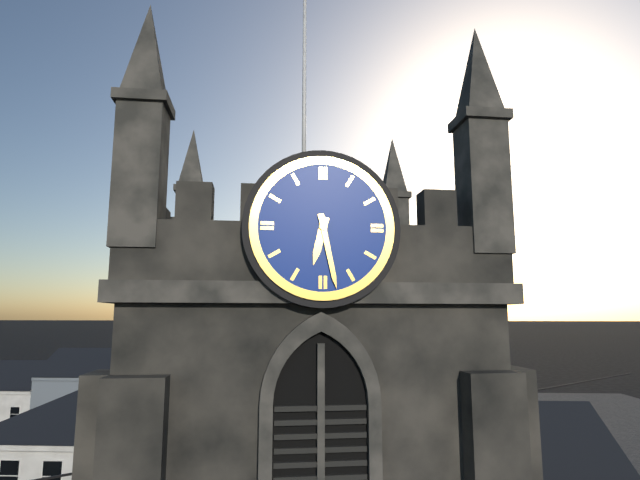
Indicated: 6 h 28 min
